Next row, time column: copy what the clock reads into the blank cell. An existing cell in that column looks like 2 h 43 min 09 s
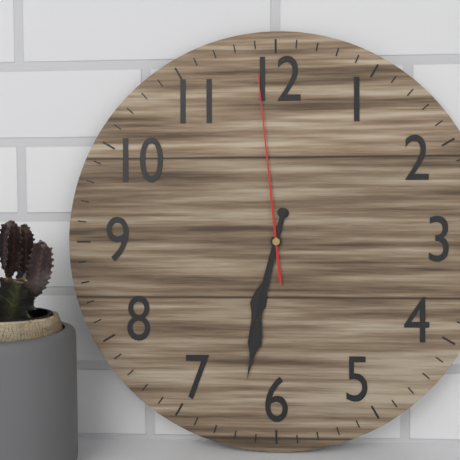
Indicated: 6 h 32 min 59 s
